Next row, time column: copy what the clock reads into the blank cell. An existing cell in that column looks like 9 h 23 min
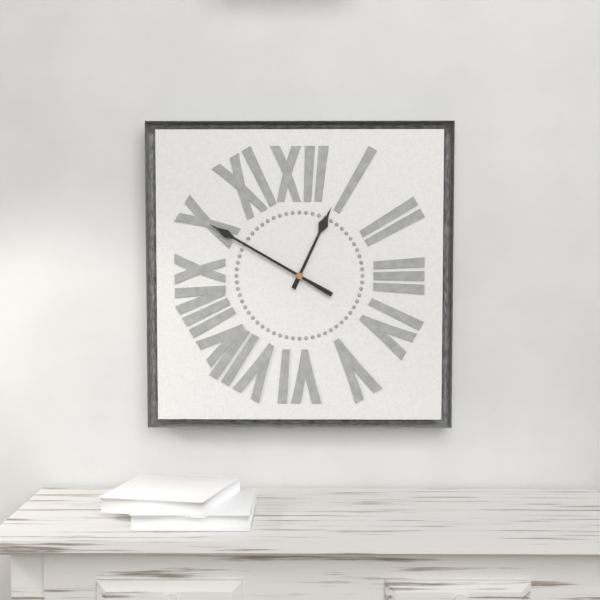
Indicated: 12 h 50 min
